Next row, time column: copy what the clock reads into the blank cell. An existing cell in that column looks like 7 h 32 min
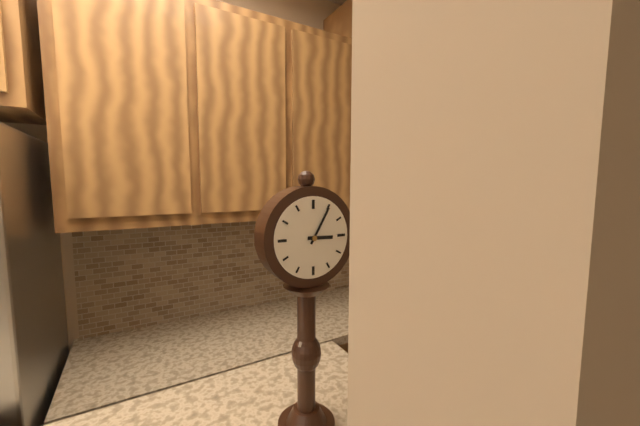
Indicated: 3 h 05 min
